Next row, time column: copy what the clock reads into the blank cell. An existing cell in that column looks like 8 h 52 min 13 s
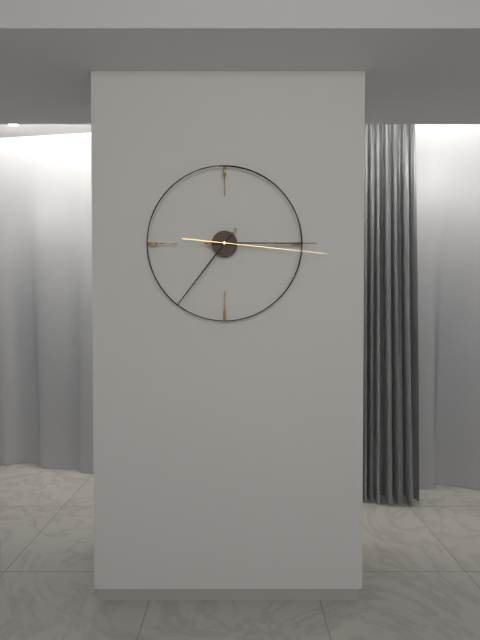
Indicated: 7 h 15 min 16 s
